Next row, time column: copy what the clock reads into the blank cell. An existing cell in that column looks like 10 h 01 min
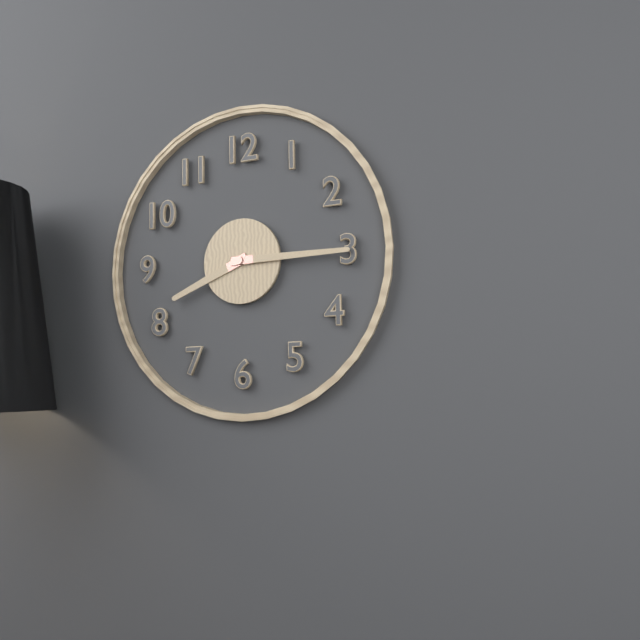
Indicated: 8 h 15 min
